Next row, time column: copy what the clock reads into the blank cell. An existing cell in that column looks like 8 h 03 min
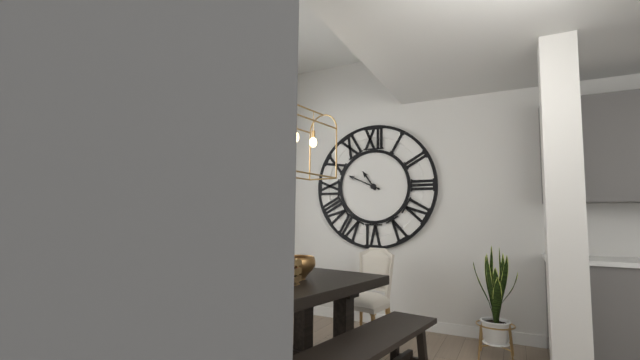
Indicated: 10 h 49 min
